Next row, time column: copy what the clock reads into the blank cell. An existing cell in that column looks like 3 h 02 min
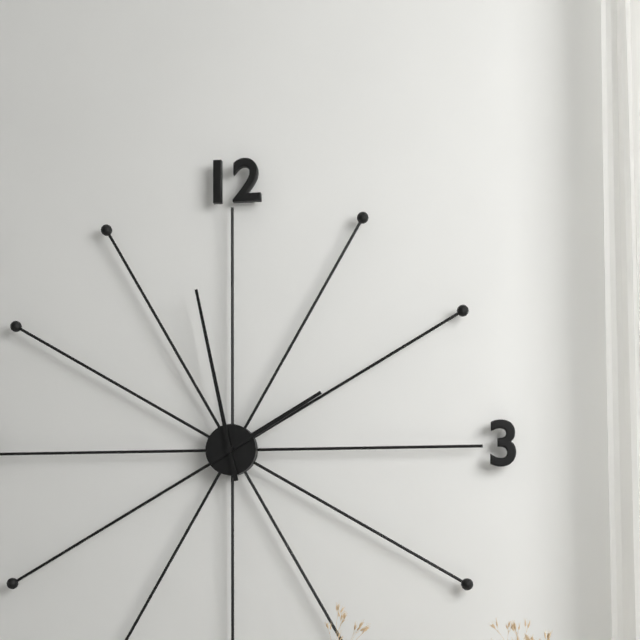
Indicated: 1 h 58 min
